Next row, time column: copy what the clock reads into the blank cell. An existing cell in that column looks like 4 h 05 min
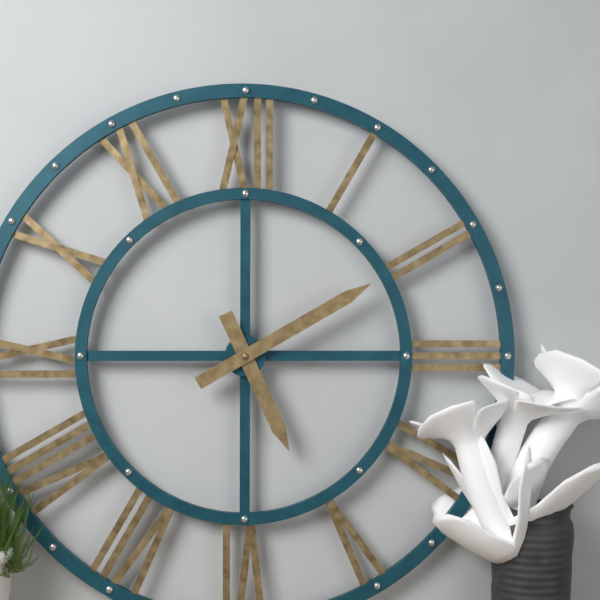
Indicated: 5 h 10 min
